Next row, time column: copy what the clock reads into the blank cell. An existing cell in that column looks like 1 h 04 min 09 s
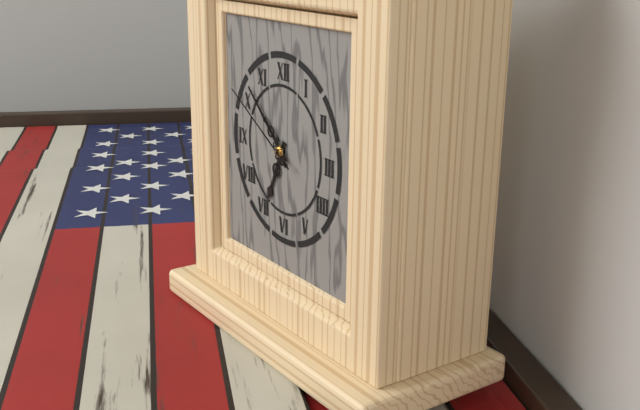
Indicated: 6 h 52 min 50 s
